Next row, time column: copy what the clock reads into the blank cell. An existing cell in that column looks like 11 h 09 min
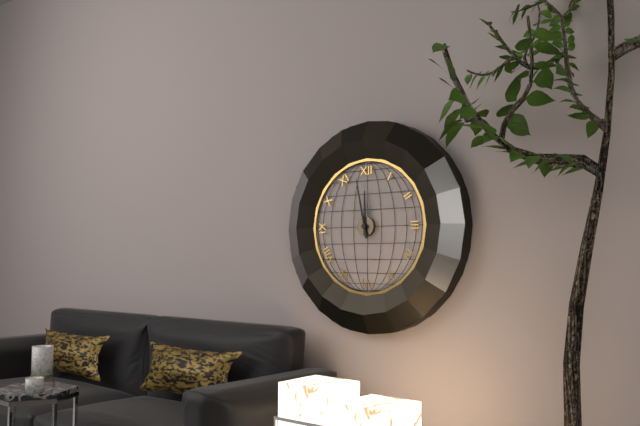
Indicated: 11 h 58 min
